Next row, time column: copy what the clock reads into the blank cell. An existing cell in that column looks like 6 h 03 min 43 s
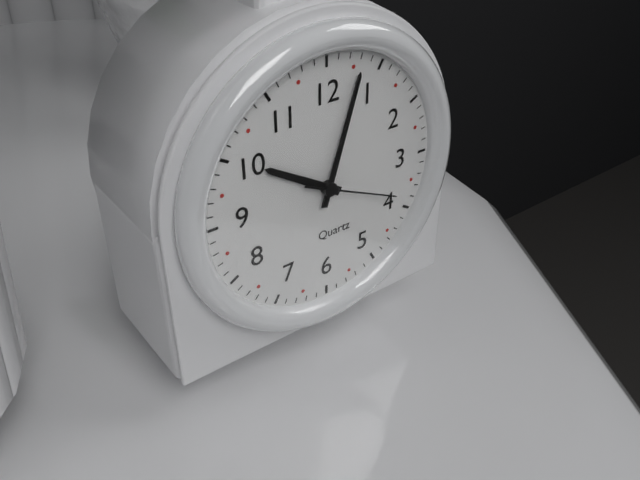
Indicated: 10 h 03 min 19 s
